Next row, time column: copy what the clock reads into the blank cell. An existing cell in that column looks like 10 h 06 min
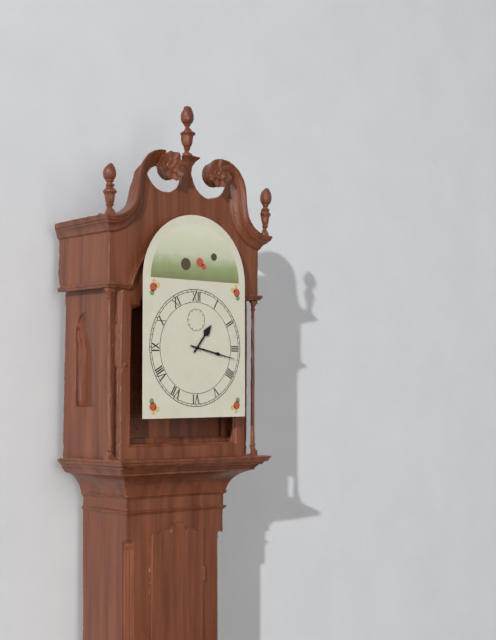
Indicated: 1 h 17 min
